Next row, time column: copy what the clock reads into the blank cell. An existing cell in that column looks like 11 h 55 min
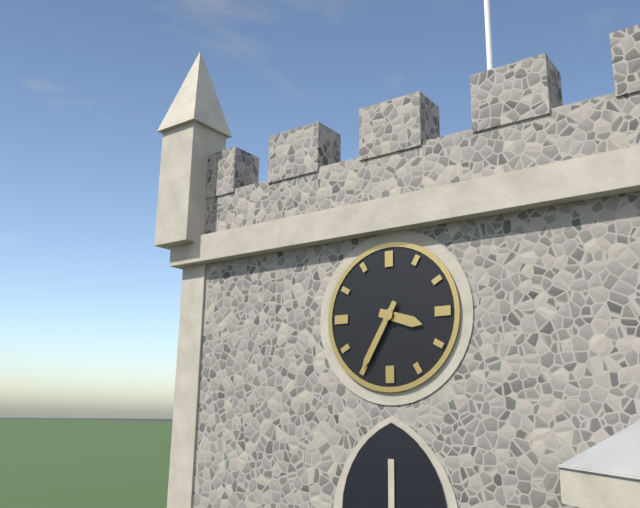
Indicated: 3 h 35 min
